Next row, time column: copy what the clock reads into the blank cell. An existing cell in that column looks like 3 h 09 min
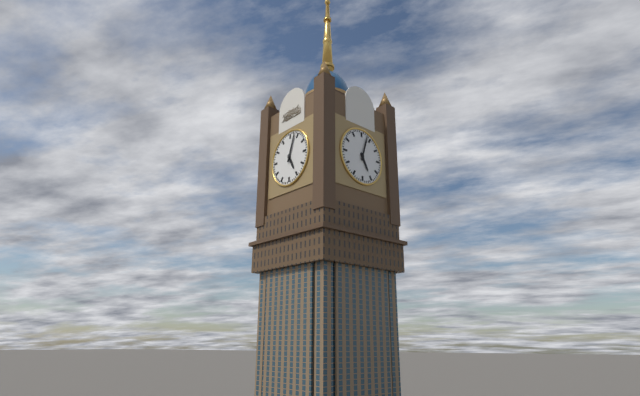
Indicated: 5 h 03 min
